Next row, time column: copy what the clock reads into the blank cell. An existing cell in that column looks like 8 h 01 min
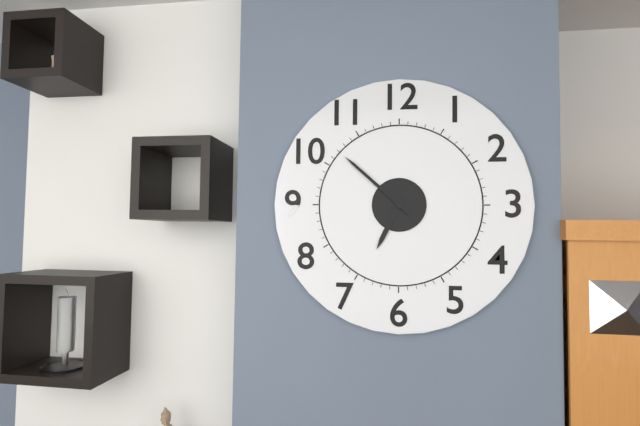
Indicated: 6 h 52 min
